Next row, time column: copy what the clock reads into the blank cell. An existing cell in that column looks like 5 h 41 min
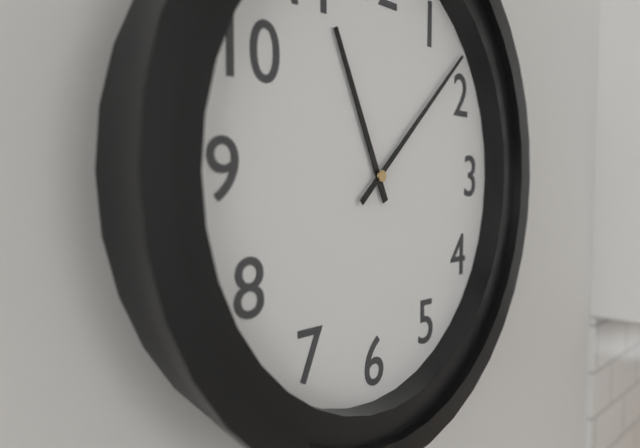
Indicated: 11 h 08 min
